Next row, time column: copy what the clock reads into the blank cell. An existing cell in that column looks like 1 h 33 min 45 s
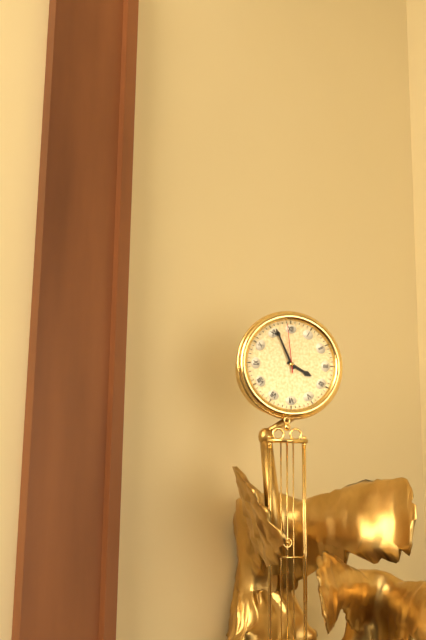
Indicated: 3 h 56 min 59 s
